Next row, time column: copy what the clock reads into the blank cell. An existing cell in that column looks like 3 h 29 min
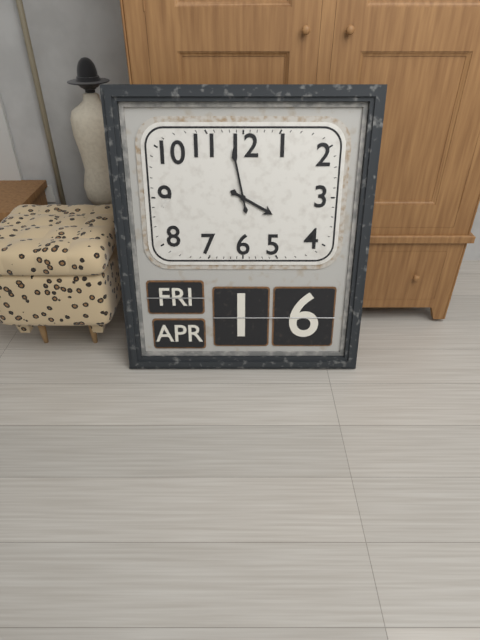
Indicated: 3 h 58 min
